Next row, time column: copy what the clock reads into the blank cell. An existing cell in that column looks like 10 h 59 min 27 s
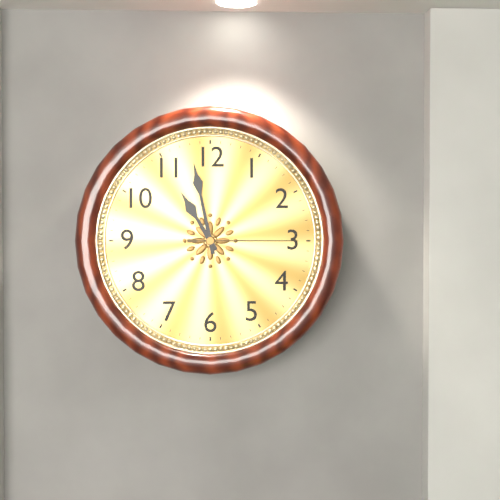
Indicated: 10 h 58 min 15 s
